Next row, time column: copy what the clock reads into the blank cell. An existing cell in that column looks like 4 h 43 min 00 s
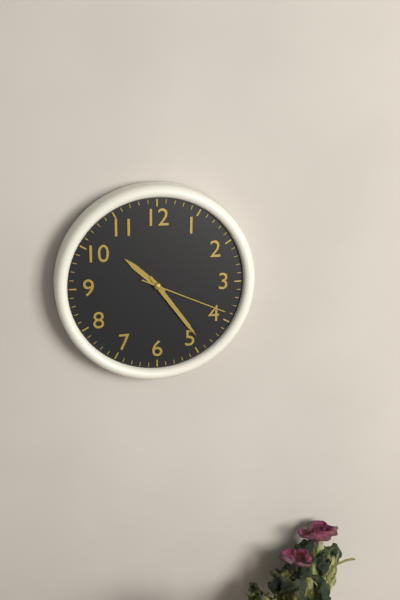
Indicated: 10 h 24 min 19 s
